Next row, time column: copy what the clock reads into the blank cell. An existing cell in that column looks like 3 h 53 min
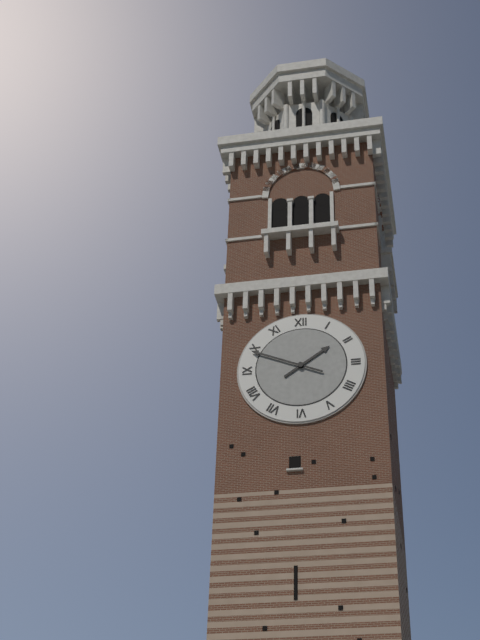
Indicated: 1 h 49 min
